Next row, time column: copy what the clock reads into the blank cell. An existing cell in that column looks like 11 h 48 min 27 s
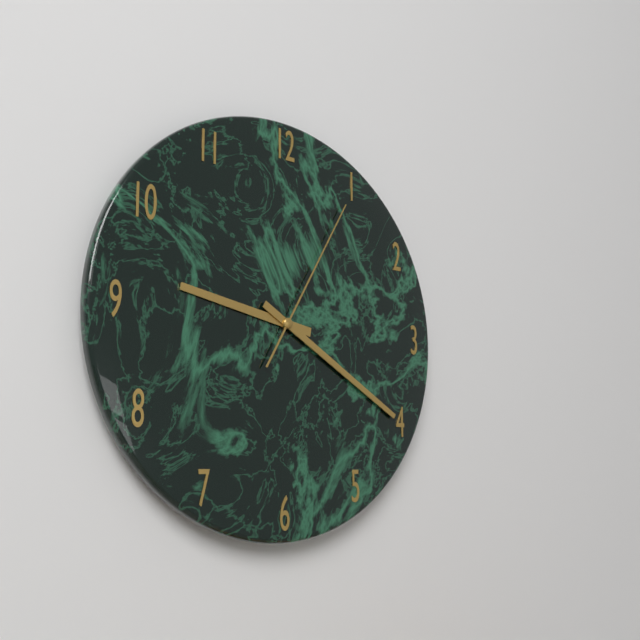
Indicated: 9 h 20 min 05 s
